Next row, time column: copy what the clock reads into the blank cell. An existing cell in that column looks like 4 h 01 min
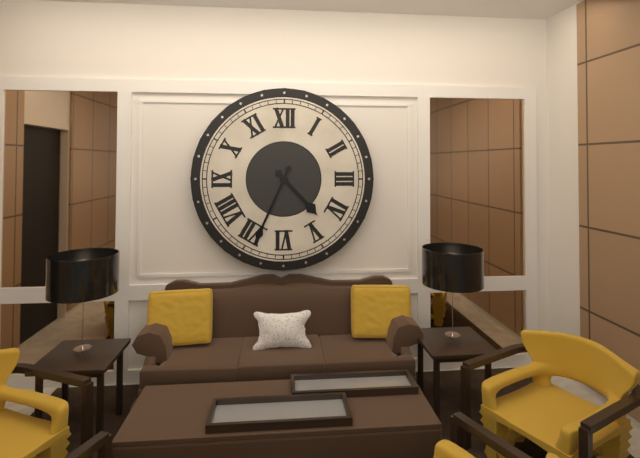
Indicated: 4 h 34 min
